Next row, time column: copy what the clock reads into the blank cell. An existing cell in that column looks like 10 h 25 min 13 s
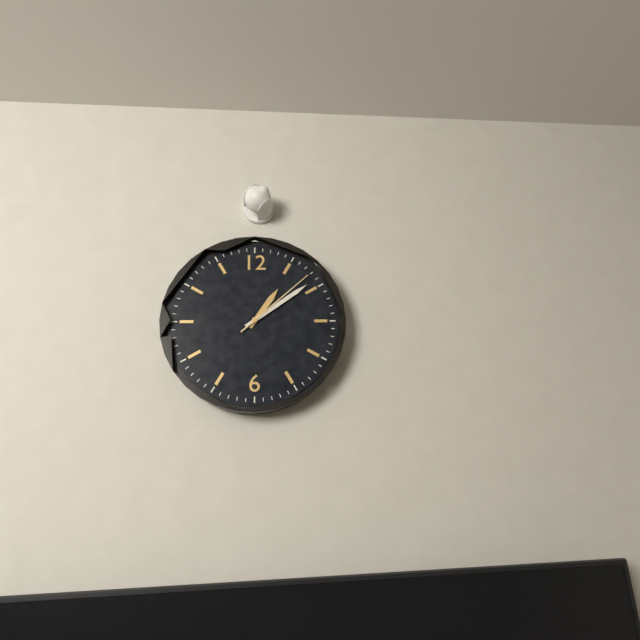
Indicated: 1 h 09 min 08 s
